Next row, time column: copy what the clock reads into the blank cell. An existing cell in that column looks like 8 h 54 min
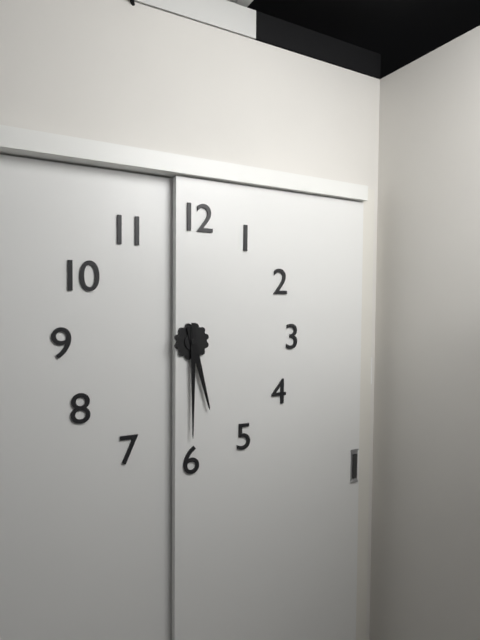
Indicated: 5 h 30 min
